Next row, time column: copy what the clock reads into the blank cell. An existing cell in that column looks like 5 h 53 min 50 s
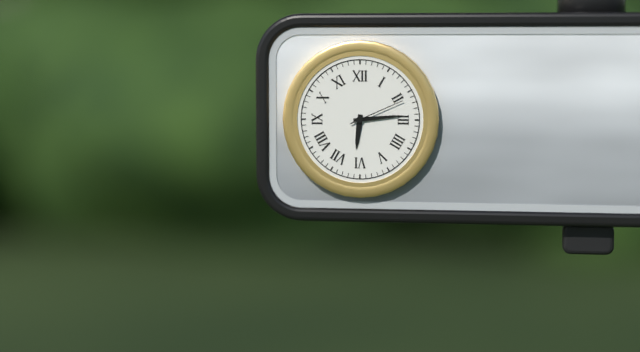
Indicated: 6 h 14 min 11 s
